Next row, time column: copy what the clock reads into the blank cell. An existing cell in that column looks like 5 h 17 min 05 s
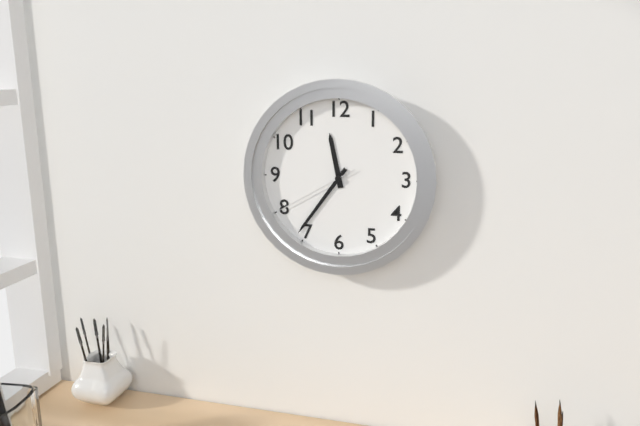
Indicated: 11 h 36 min 40 s
